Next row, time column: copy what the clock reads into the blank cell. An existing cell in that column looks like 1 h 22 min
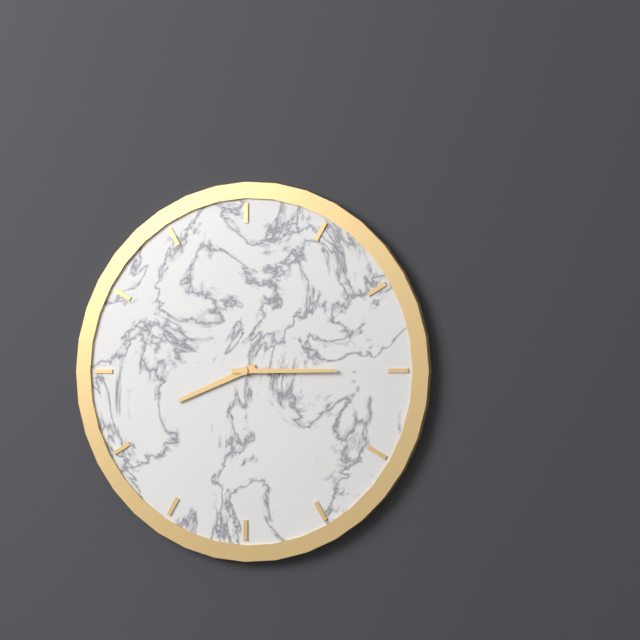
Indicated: 8 h 15 min
